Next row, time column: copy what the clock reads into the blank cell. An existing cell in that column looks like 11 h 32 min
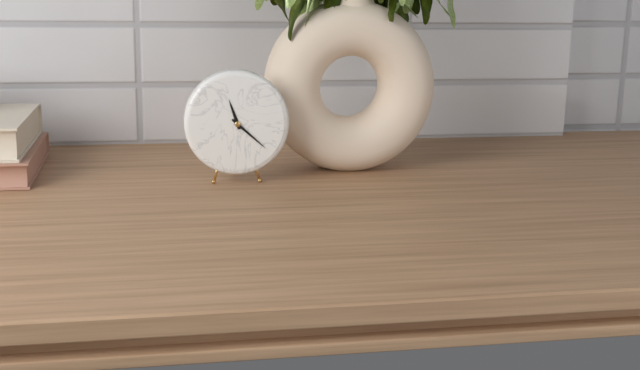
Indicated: 11 h 22 min
